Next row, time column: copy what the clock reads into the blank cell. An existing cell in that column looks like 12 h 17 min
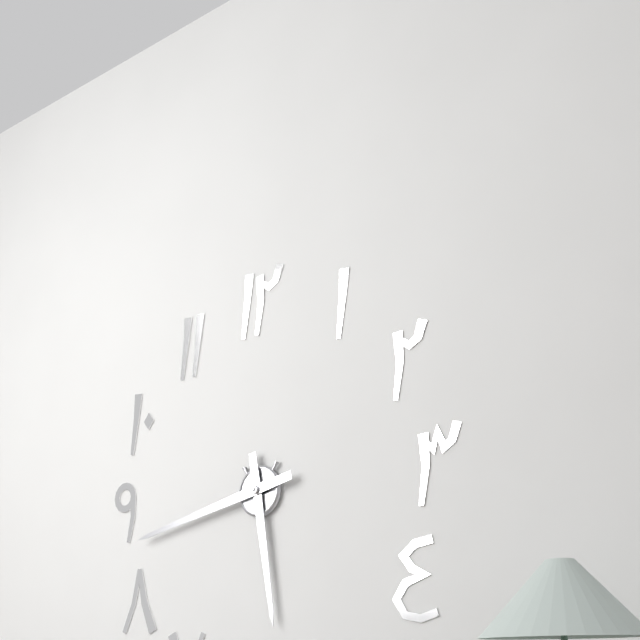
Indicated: 5 h 43 min
